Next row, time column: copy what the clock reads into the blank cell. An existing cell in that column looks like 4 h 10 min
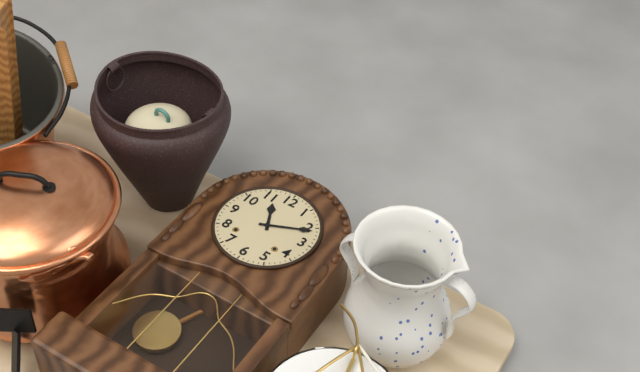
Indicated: 11 h 11 min
